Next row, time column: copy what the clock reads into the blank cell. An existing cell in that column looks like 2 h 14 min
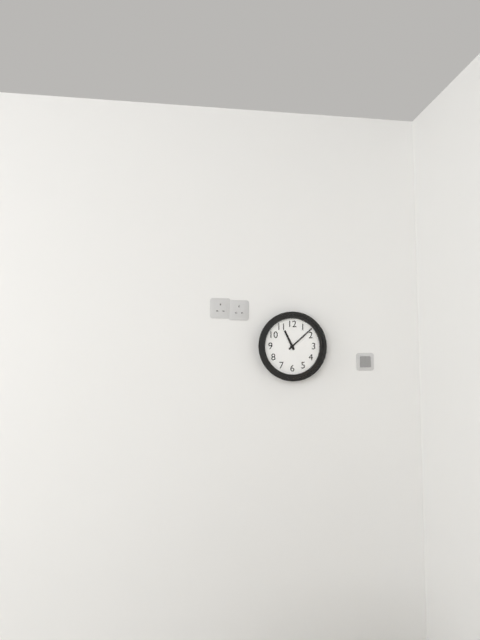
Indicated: 11 h 08 min
